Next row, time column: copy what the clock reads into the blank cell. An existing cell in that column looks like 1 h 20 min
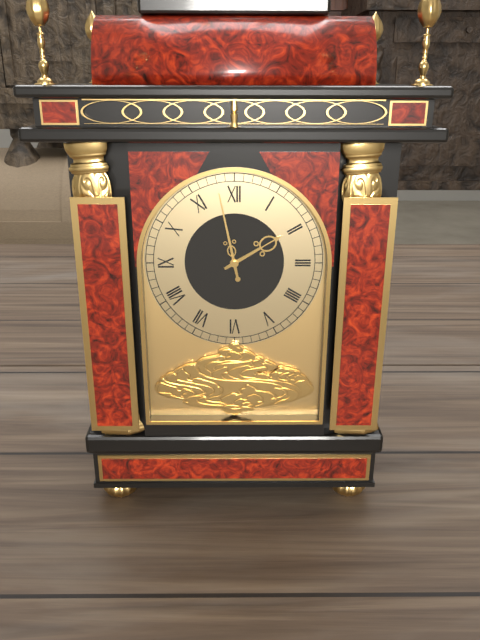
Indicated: 1 h 58 min
